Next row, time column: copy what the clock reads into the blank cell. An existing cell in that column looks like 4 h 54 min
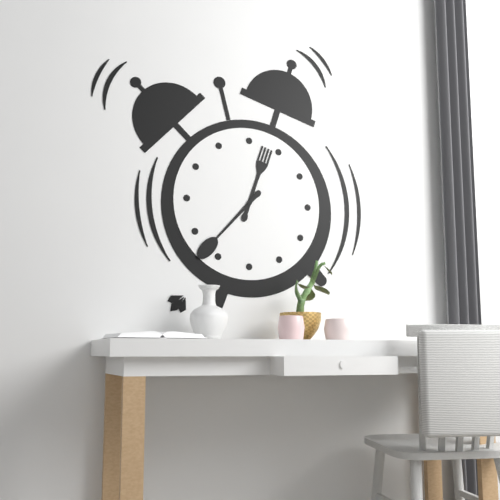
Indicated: 12 h 37 min
